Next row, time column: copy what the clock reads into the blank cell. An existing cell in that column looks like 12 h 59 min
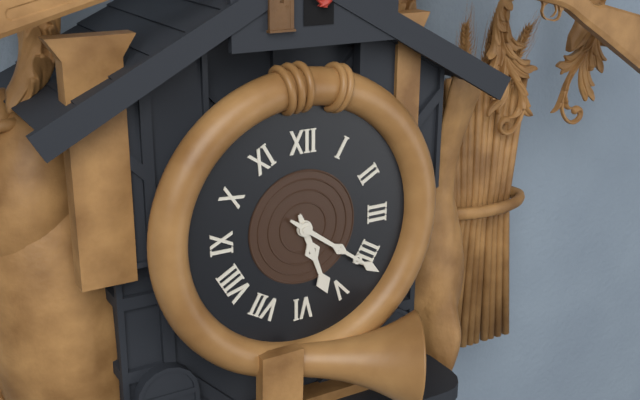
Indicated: 5 h 21 min
